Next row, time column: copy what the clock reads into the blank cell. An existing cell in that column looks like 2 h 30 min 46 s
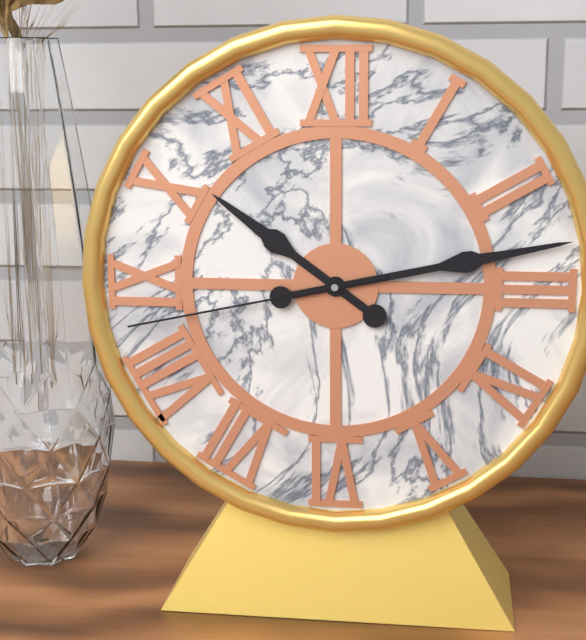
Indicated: 10 h 13 min 43 s
